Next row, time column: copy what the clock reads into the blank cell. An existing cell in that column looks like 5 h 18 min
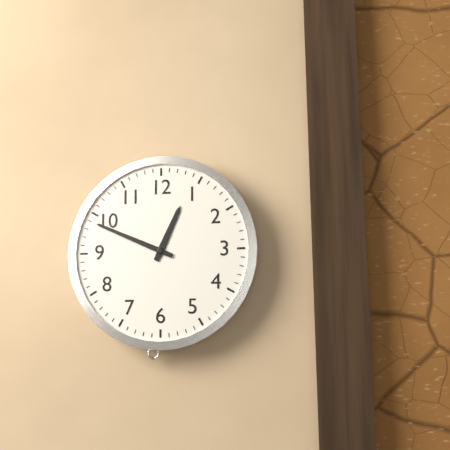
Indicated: 12 h 49 min
